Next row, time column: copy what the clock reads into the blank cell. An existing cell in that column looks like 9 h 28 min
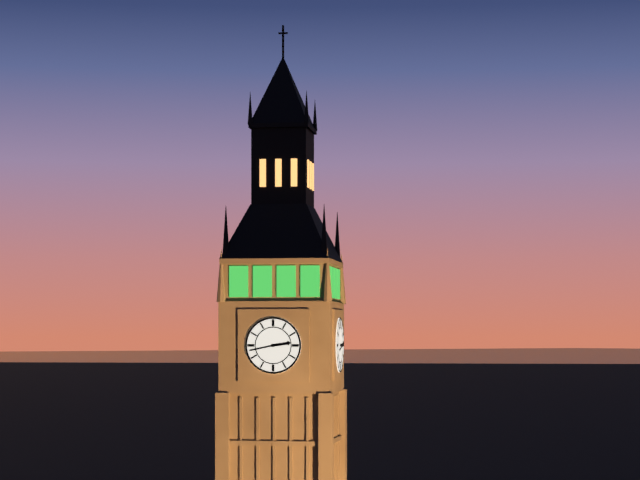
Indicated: 2 h 43 min
